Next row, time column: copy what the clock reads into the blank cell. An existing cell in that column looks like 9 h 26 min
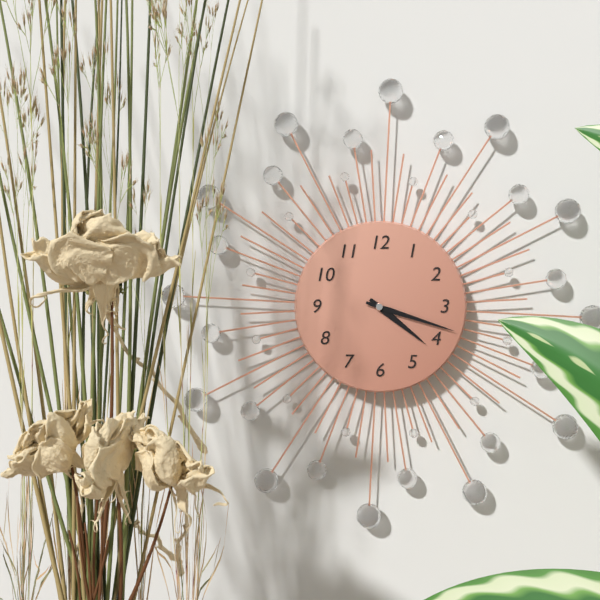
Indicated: 4 h 18 min
